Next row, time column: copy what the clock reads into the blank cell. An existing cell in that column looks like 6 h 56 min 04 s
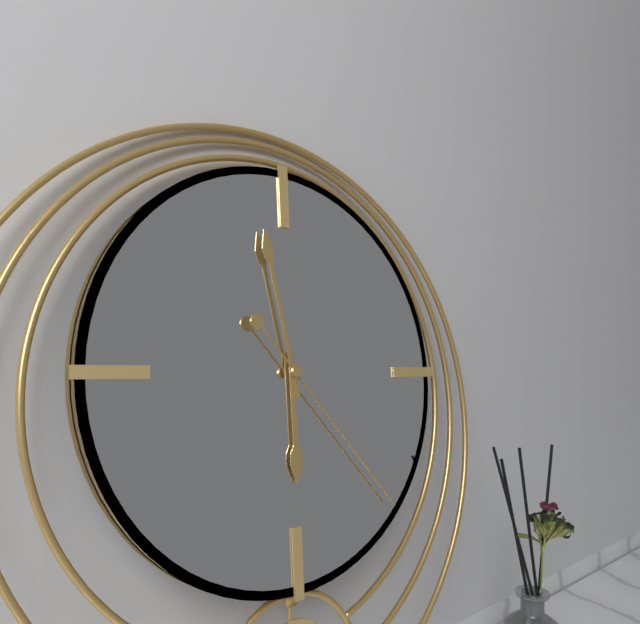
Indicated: 5 h 58 min 23 s
